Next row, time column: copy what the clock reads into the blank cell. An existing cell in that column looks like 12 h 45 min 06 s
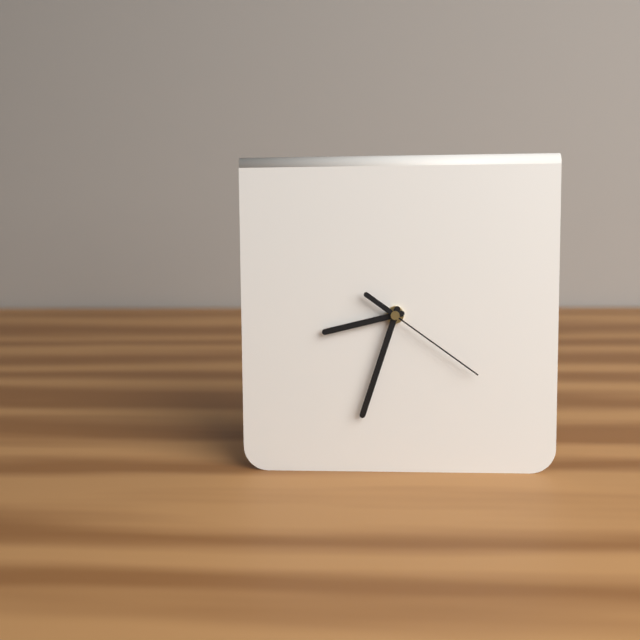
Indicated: 8 h 33 min 21 s
